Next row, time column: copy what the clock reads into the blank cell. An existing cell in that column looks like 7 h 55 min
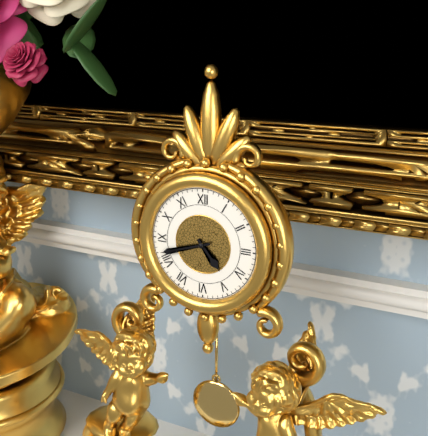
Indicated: 4 h 42 min
